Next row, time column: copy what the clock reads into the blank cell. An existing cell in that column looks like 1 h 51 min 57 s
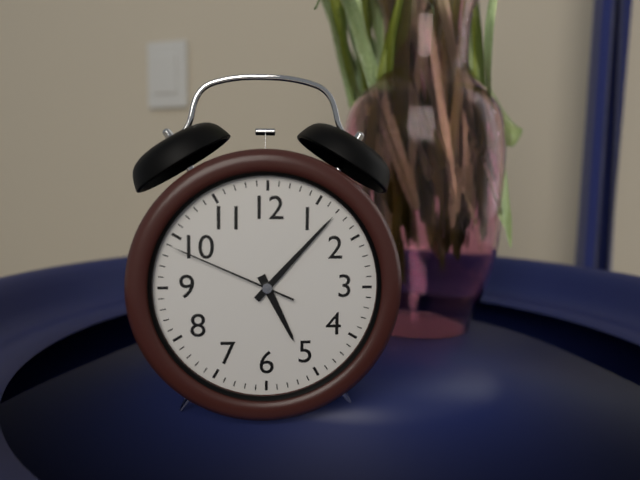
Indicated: 5 h 07 min 49 s
